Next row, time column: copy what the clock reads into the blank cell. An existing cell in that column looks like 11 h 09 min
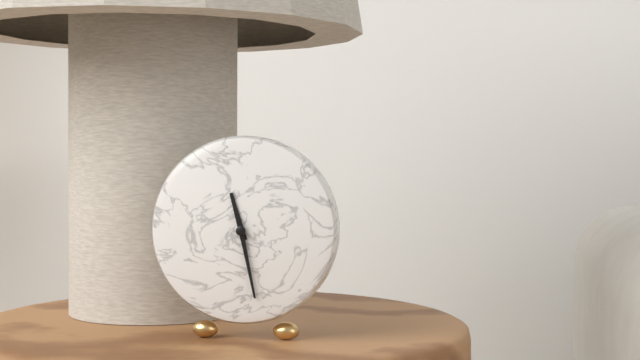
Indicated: 11 h 28 min
